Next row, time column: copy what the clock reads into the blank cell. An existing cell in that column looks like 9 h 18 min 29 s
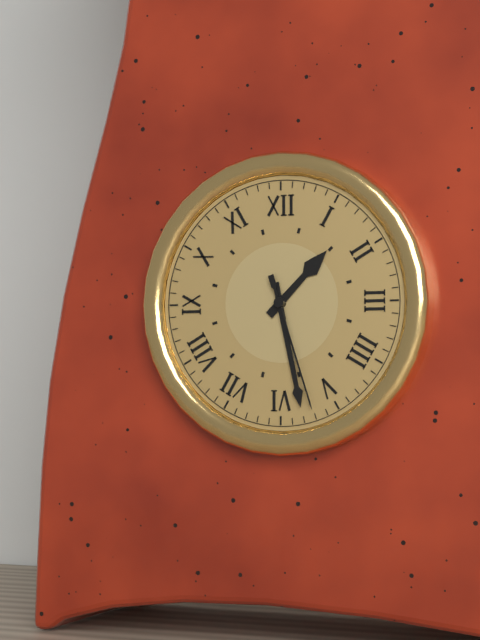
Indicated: 1 h 28 min 27 s
